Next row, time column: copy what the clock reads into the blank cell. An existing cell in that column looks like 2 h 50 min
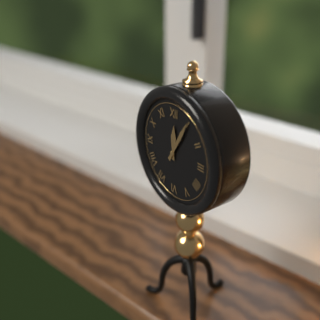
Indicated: 12 h 05 min
